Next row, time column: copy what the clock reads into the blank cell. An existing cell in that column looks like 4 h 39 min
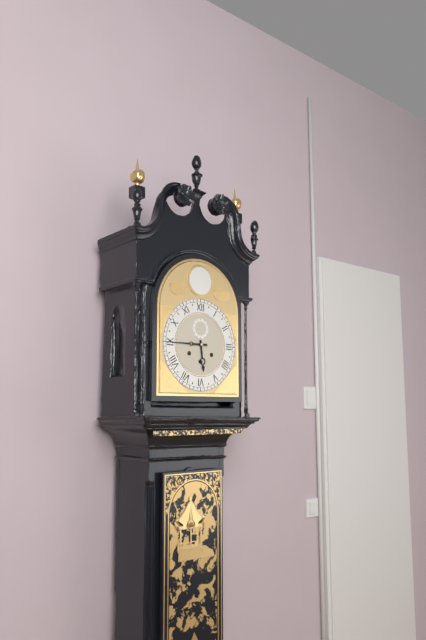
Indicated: 5 h 45 min
